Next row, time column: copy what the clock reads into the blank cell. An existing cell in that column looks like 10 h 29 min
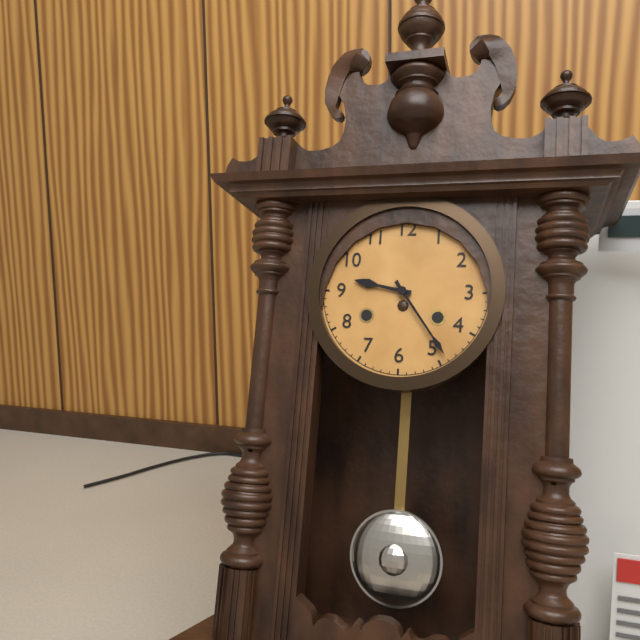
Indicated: 9 h 24 min
